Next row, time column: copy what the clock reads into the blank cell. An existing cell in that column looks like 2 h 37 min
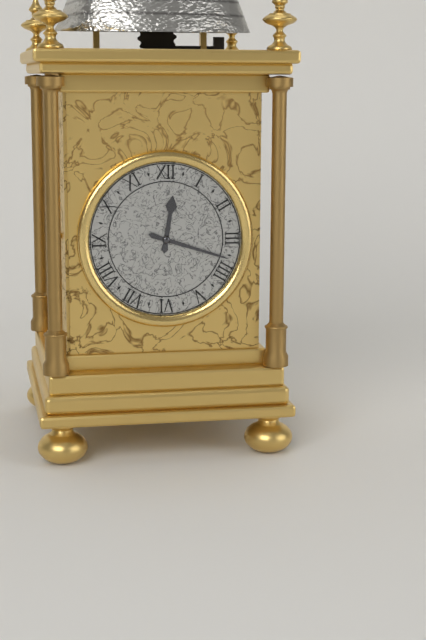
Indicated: 12 h 18 min
